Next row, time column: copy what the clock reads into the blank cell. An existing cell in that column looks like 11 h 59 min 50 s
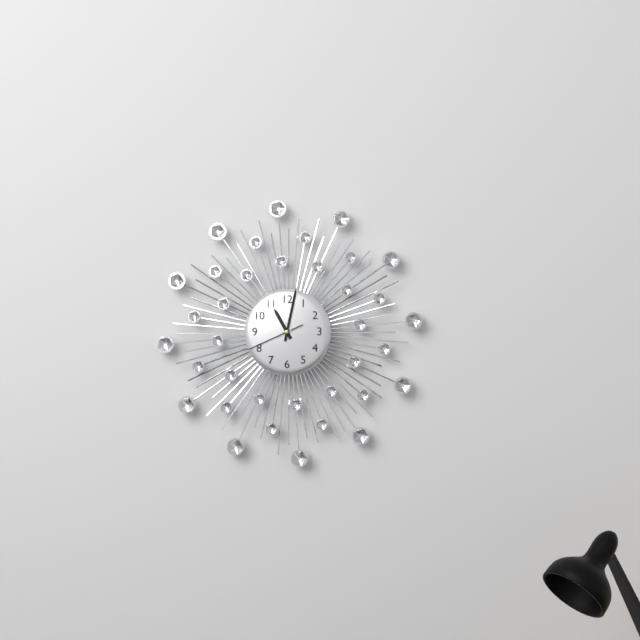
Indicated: 11 h 02 min 41 s
